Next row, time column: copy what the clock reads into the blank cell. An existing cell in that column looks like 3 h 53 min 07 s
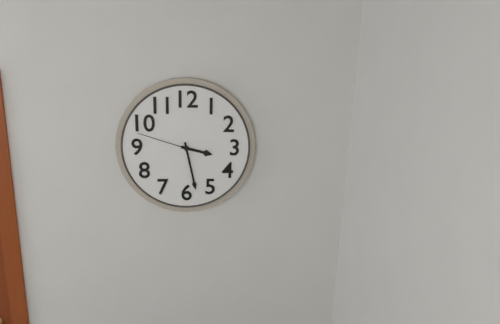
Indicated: 3 h 28 min 48 s
